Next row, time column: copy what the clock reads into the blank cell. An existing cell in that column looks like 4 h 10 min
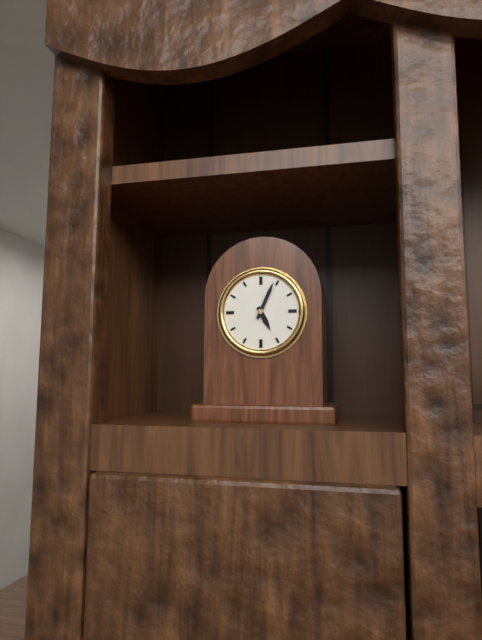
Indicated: 5 h 04 min
